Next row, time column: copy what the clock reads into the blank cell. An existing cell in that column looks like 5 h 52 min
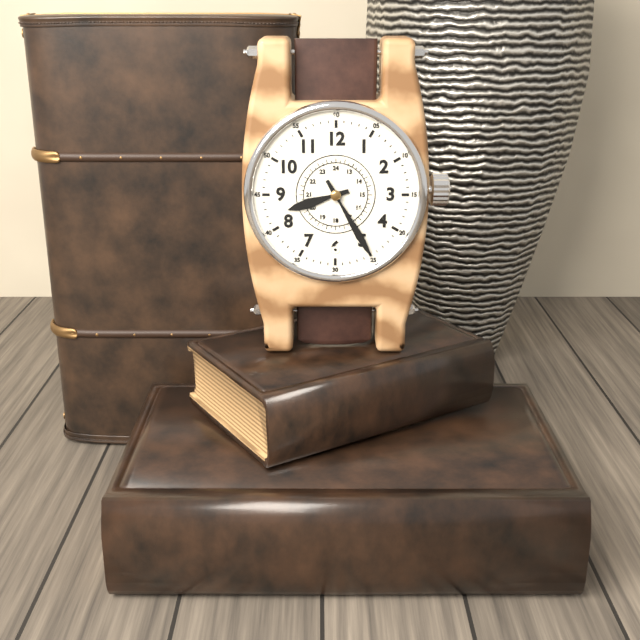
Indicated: 8 h 25 min
